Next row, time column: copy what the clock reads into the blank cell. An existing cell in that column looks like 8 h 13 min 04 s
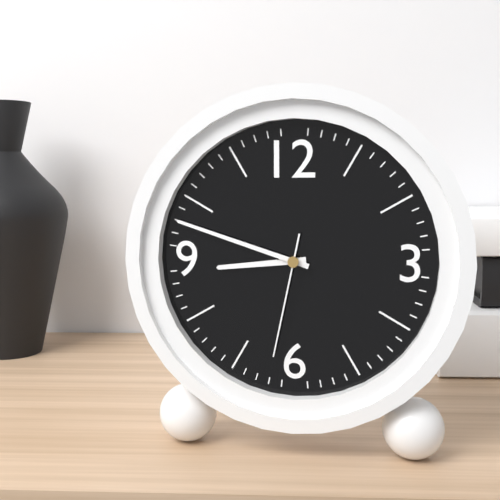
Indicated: 8 h 48 min 32 s
